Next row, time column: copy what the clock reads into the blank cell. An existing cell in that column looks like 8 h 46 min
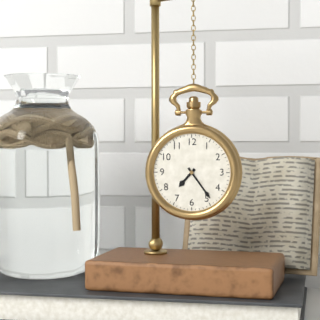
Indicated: 7 h 24 min
